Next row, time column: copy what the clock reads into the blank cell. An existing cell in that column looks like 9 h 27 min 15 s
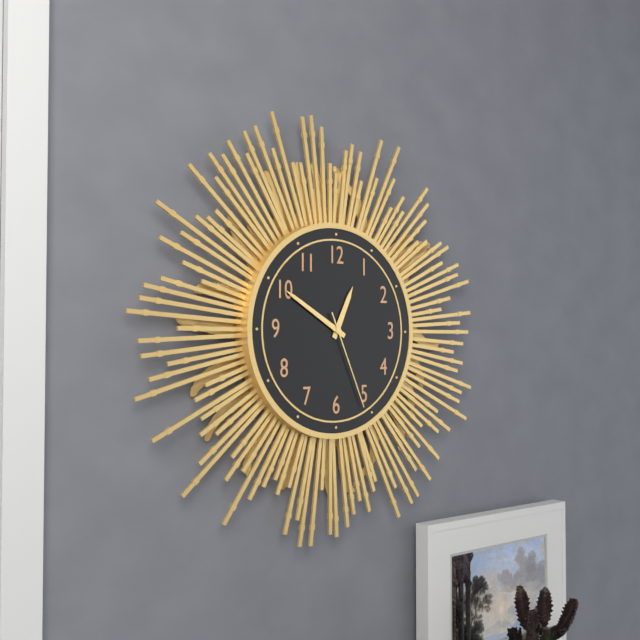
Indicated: 12 h 50 min 26 s
